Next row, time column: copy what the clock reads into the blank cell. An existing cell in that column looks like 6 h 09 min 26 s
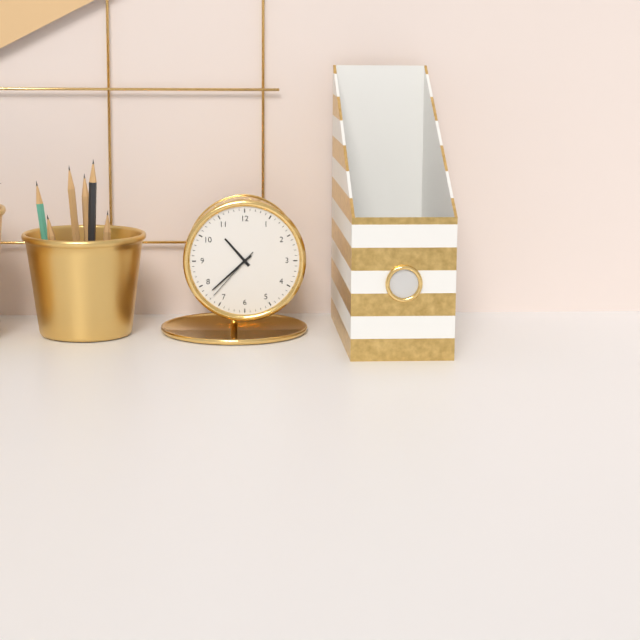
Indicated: 10 h 38 min 37 s
